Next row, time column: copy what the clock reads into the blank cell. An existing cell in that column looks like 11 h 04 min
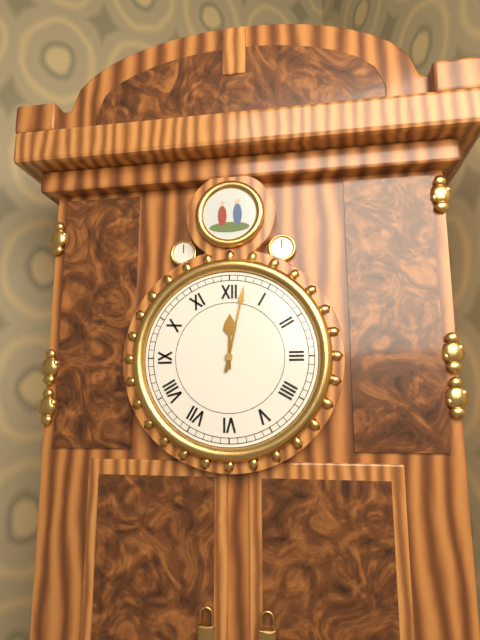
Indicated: 12 h 02 min
